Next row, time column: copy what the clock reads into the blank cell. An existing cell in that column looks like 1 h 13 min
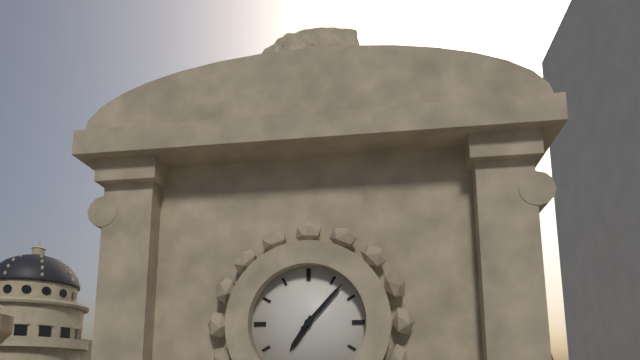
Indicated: 7 h 07 min
